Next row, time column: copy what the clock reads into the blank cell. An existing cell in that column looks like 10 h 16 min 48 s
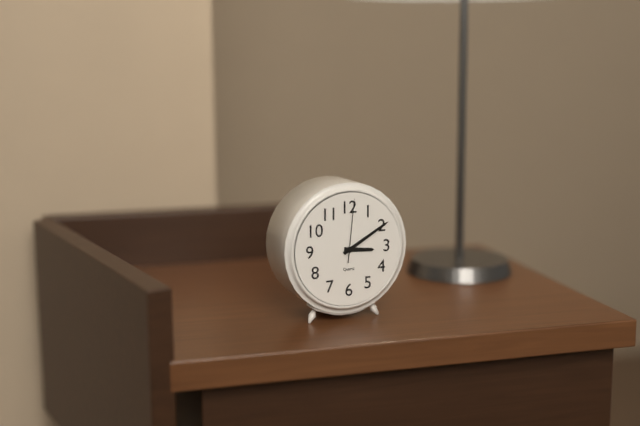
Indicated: 3 h 10 min 01 s
